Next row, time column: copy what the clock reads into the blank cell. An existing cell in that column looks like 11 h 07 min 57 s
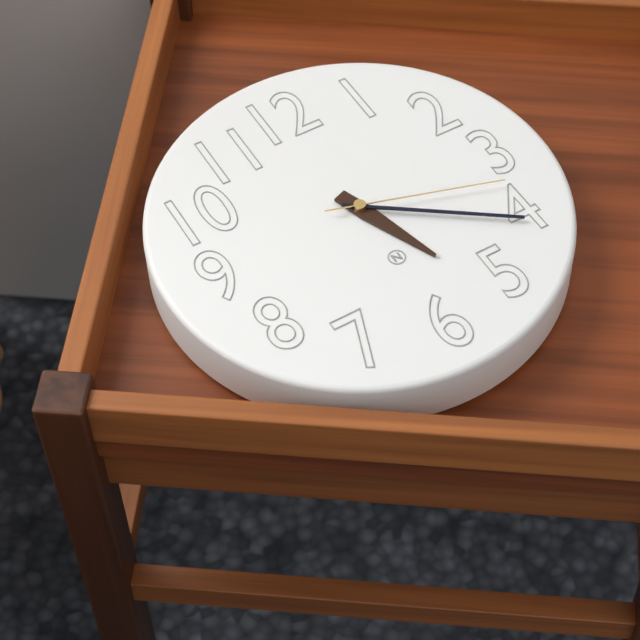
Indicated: 5 h 21 min 18 s
